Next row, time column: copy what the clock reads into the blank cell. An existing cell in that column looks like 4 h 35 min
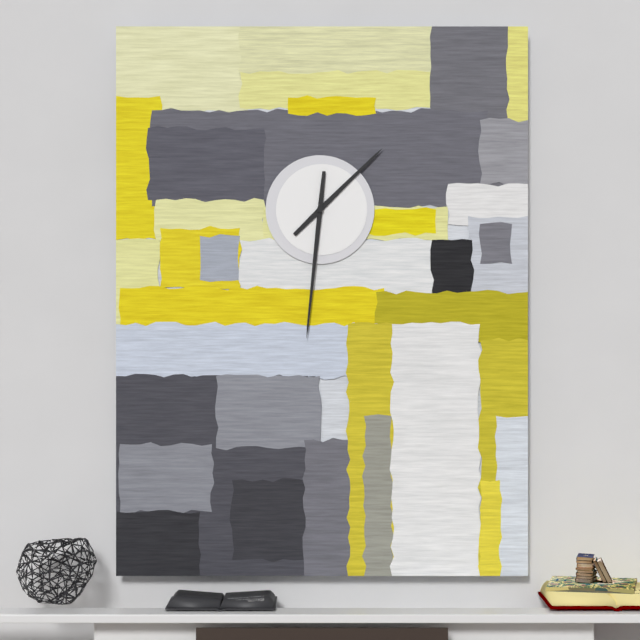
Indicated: 1 h 31 min
